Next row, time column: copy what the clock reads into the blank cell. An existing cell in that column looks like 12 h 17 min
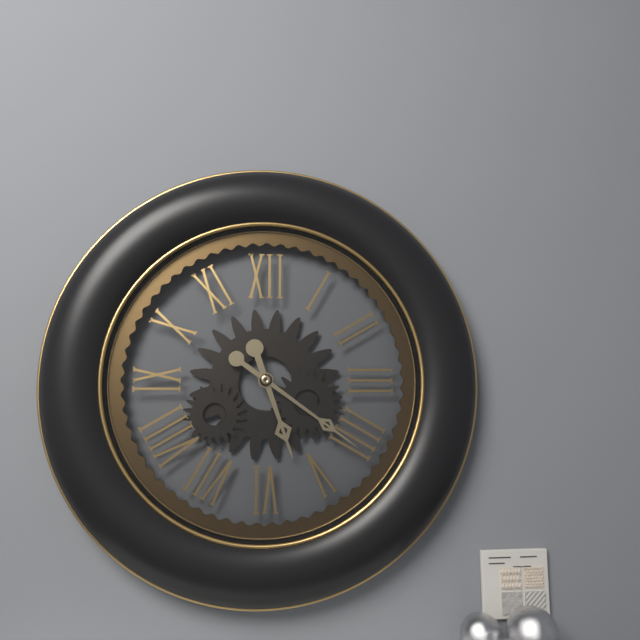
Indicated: 5 h 21 min
